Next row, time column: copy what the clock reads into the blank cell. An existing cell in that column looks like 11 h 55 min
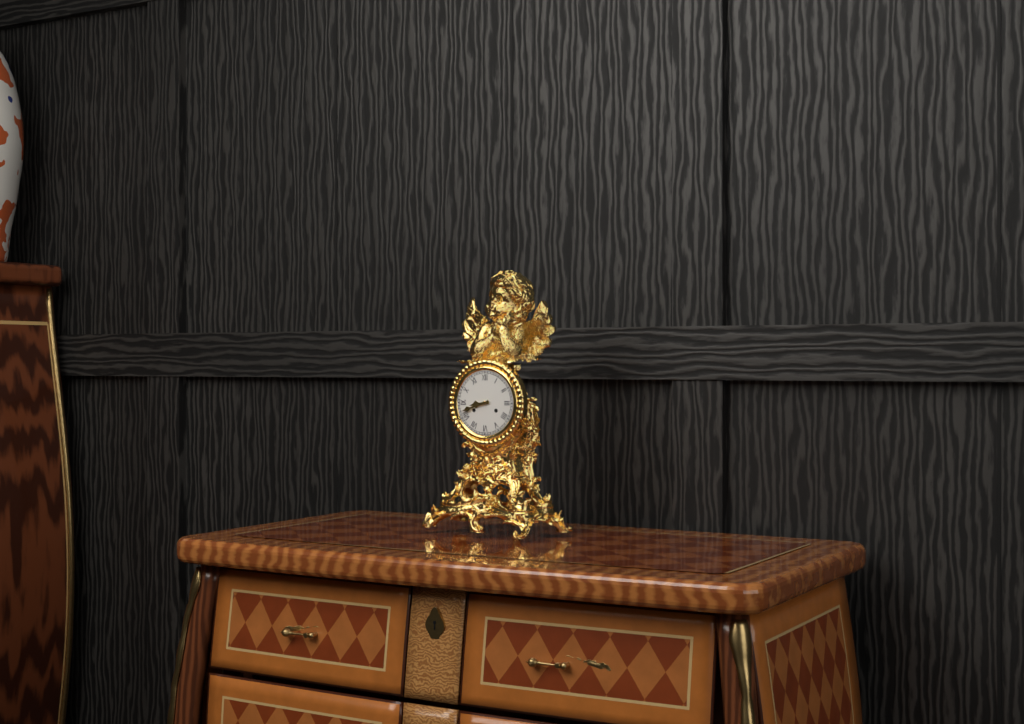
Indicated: 8 h 42 min
